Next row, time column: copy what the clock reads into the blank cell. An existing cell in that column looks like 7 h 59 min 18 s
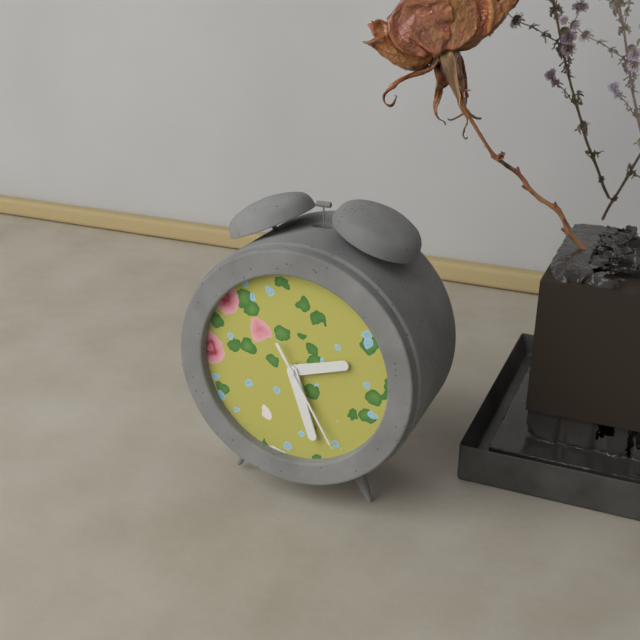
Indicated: 2 h 27 min 25 s
